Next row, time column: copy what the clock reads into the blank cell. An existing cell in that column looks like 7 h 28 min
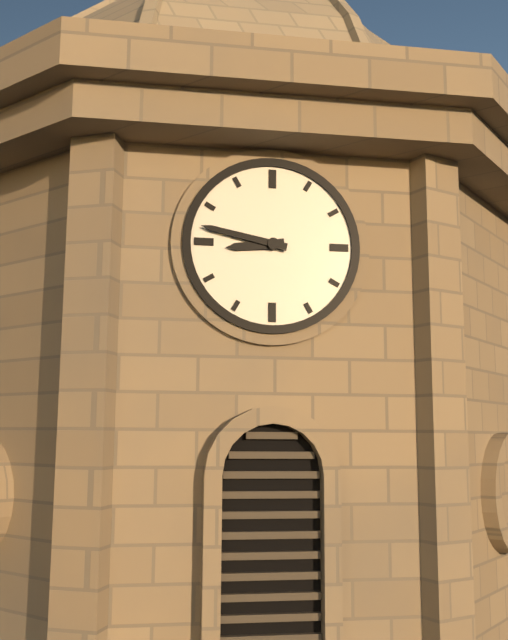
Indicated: 8 h 47 min
